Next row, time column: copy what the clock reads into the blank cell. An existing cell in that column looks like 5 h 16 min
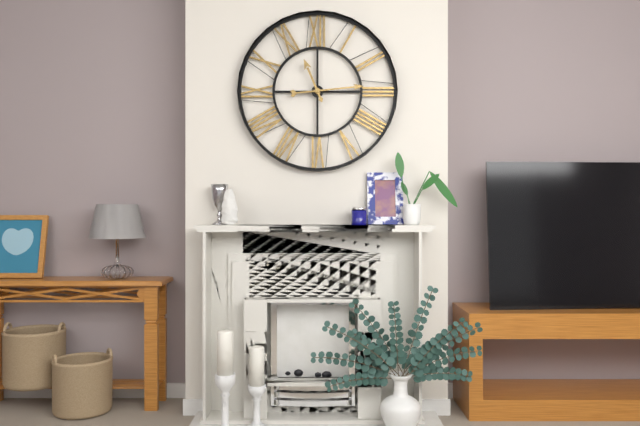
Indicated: 11 h 14 min
